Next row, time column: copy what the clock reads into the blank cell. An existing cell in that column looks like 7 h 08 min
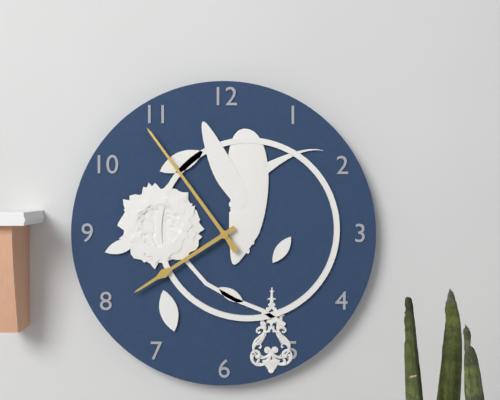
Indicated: 7 h 54 min
